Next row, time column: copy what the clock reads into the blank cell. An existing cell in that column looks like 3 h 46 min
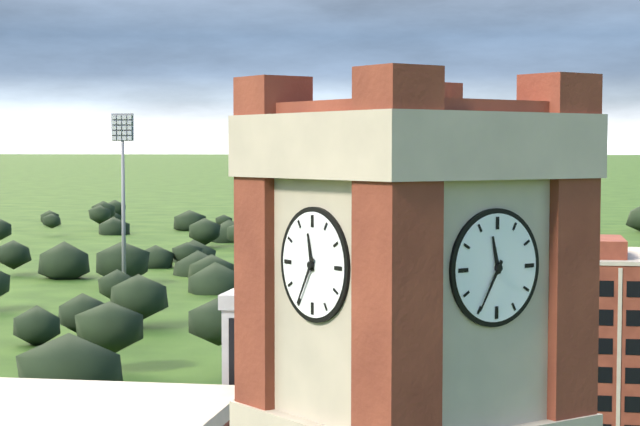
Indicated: 11 h 35 min
